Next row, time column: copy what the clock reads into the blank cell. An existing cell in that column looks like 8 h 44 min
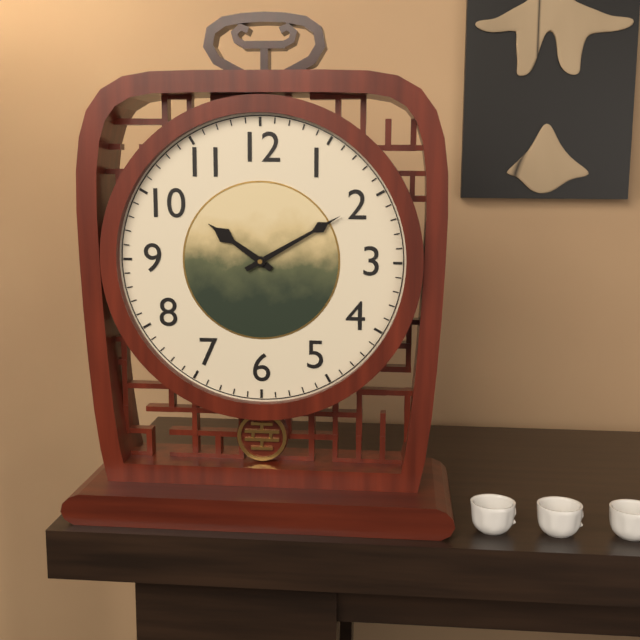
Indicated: 10 h 10 min
